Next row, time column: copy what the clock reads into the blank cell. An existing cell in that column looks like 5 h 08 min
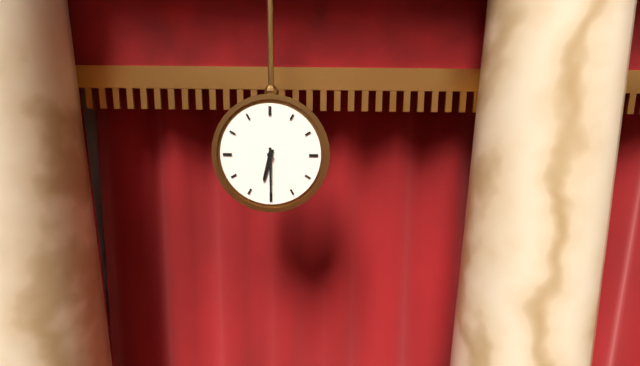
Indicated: 6 h 30 min
